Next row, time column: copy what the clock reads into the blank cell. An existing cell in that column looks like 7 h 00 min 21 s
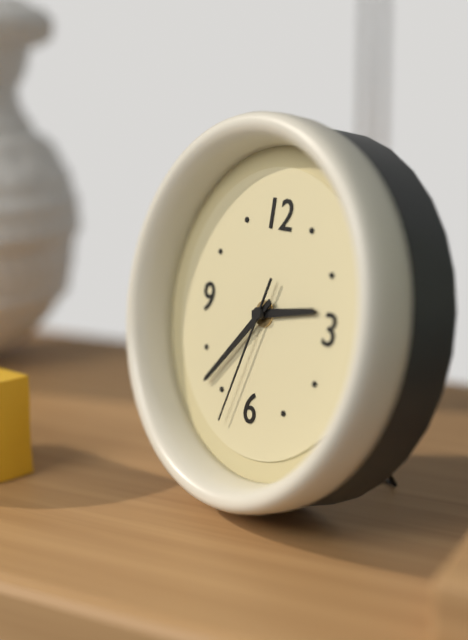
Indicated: 2 h 37 min 33 s
